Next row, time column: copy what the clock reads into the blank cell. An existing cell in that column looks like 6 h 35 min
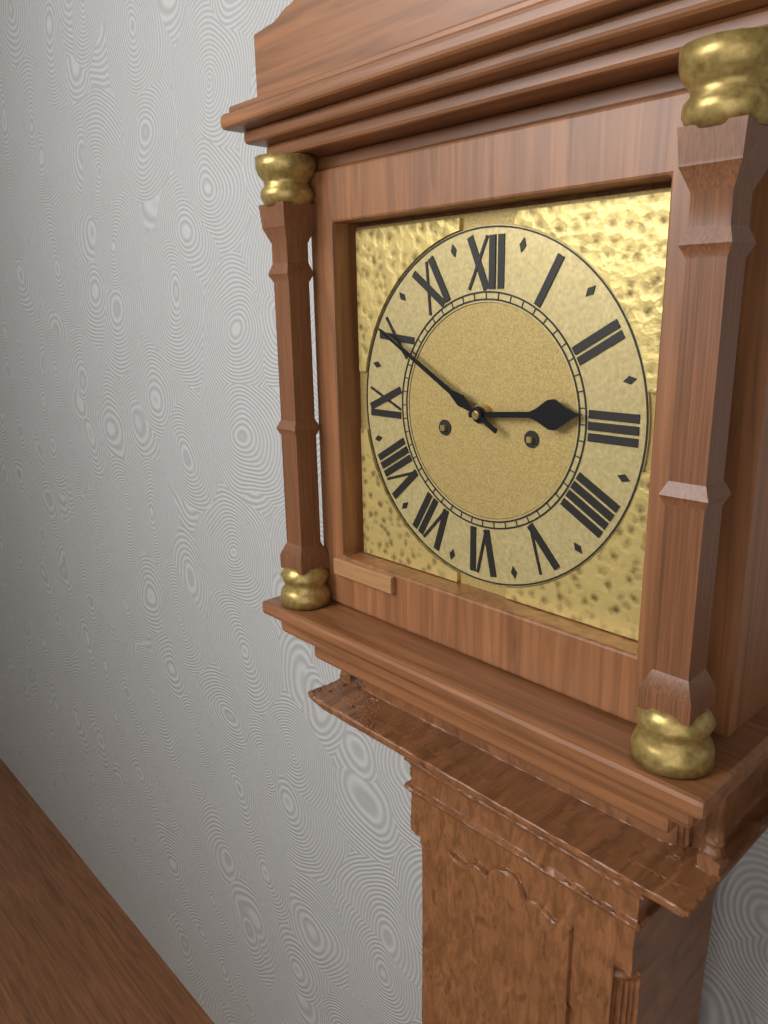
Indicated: 2 h 50 min
